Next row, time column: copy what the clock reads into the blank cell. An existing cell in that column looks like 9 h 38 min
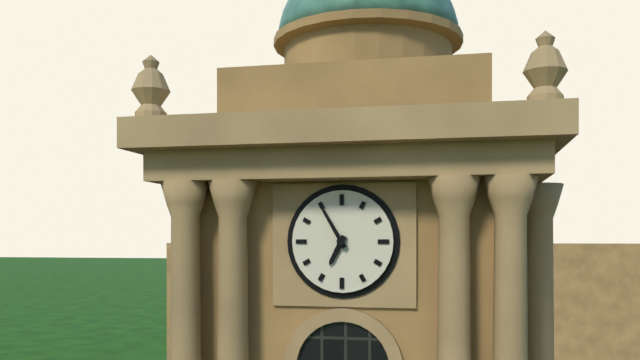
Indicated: 6 h 55 min
